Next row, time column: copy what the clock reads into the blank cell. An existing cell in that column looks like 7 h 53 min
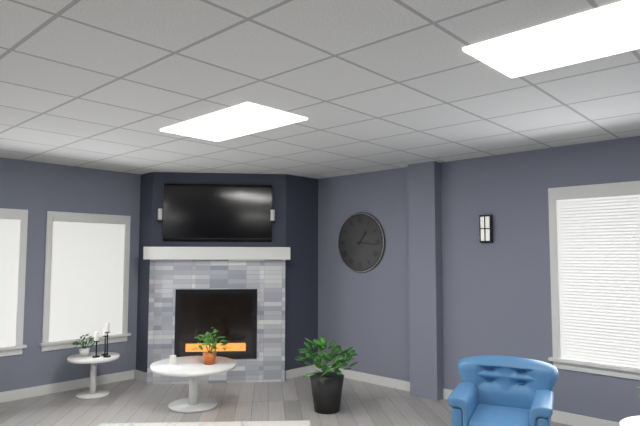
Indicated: 1 h 16 min
